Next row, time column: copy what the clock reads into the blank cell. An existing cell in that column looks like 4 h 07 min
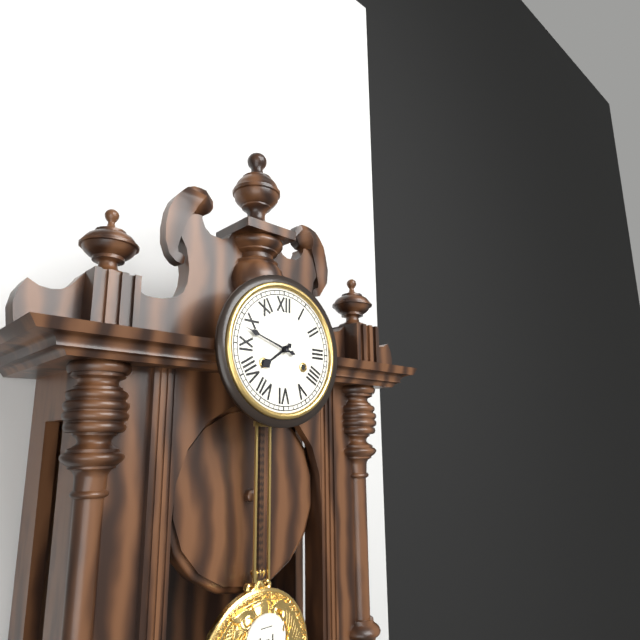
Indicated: 7 h 48 min
